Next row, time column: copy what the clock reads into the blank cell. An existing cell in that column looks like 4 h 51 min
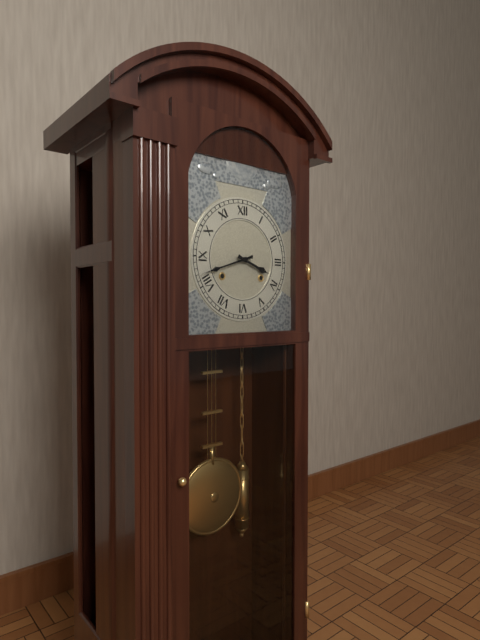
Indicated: 3 h 42 min
